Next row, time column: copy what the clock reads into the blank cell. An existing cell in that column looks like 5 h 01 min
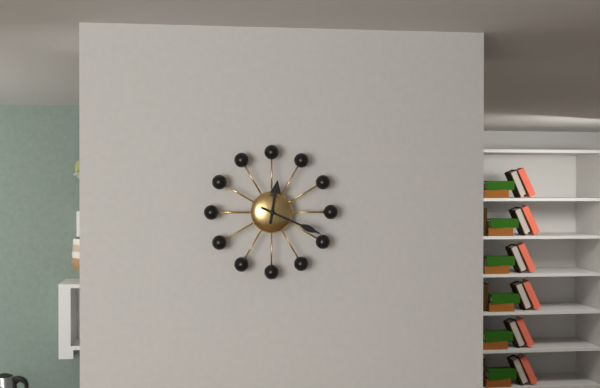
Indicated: 12 h 19 min
